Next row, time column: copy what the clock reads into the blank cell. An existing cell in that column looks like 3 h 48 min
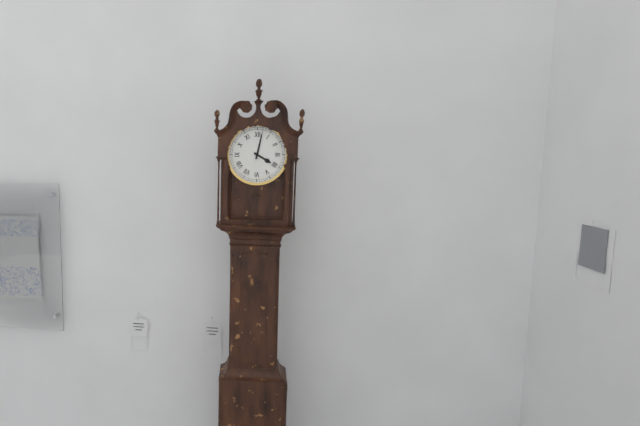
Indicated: 4 h 02 min
